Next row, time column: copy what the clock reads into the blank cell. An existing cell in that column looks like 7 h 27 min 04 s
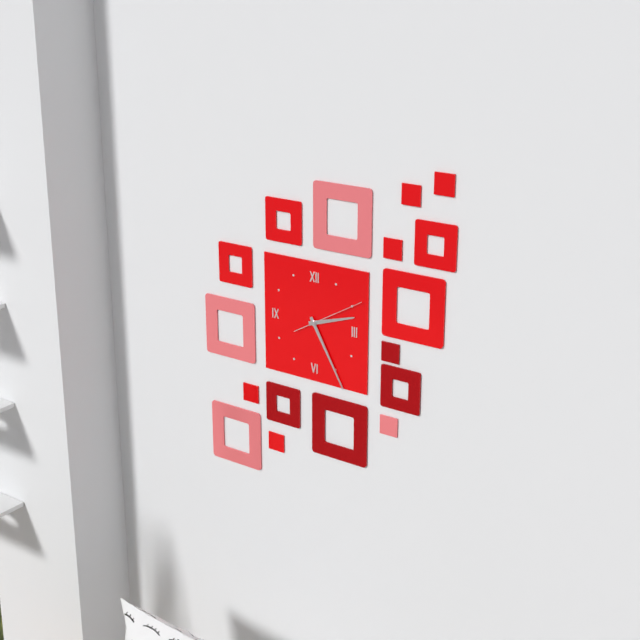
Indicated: 2 h 25 min 10 s
